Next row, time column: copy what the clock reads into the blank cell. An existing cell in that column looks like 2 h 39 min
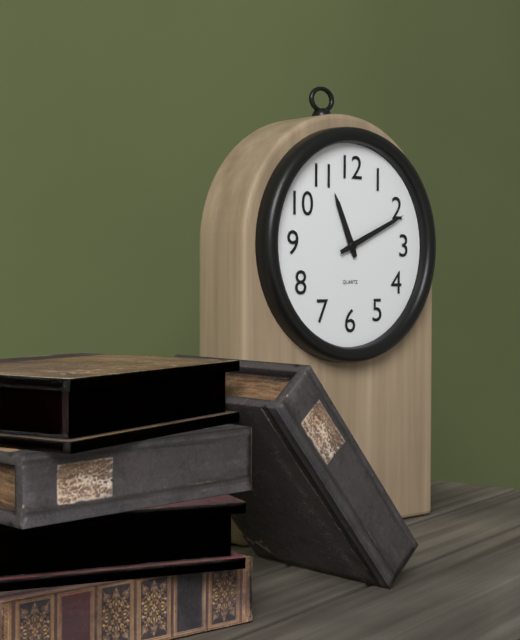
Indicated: 11 h 11 min
